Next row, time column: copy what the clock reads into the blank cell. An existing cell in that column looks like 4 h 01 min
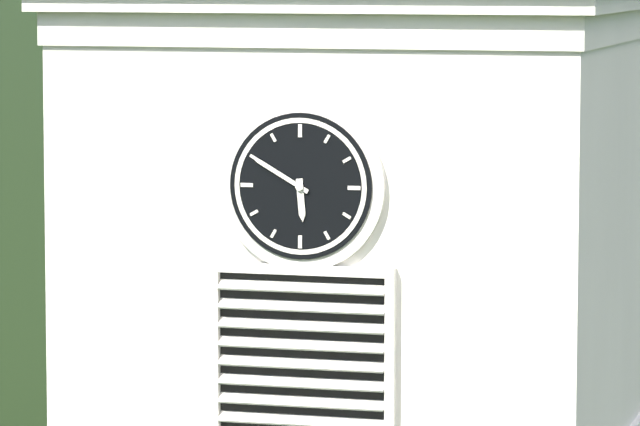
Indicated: 5 h 50 min
